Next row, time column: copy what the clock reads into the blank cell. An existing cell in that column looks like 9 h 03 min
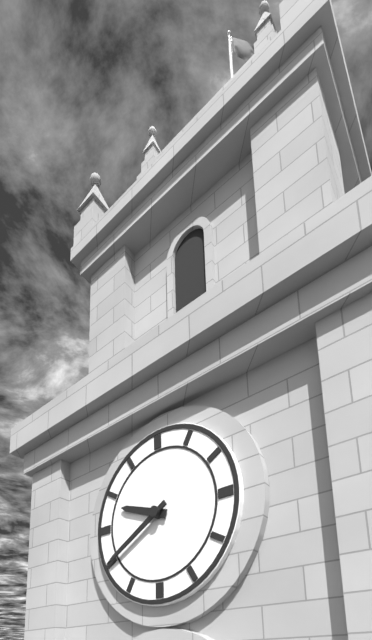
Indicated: 9 h 40 min
